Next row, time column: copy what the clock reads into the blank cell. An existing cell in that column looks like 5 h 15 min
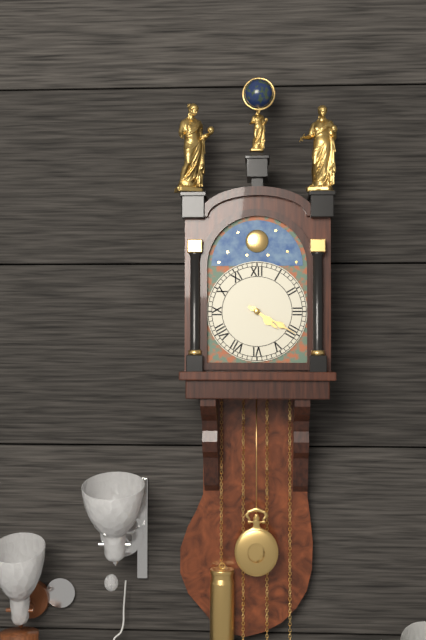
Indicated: 4 h 20 min
